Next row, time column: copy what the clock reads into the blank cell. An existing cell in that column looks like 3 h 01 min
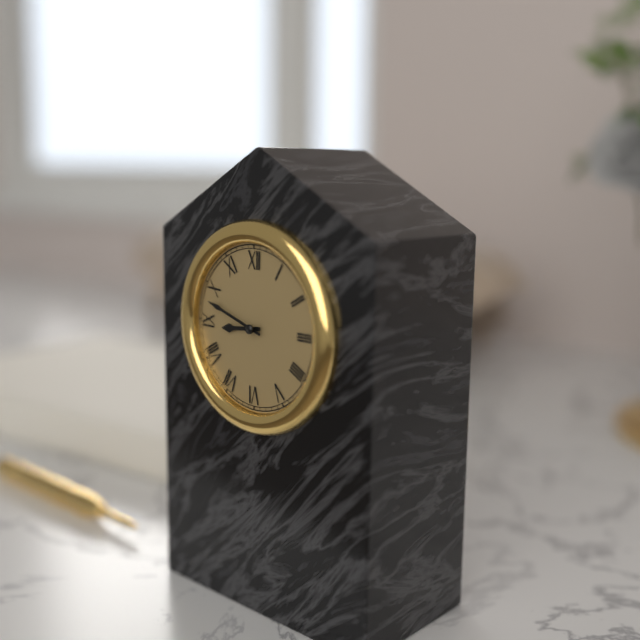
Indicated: 8 h 48 min
